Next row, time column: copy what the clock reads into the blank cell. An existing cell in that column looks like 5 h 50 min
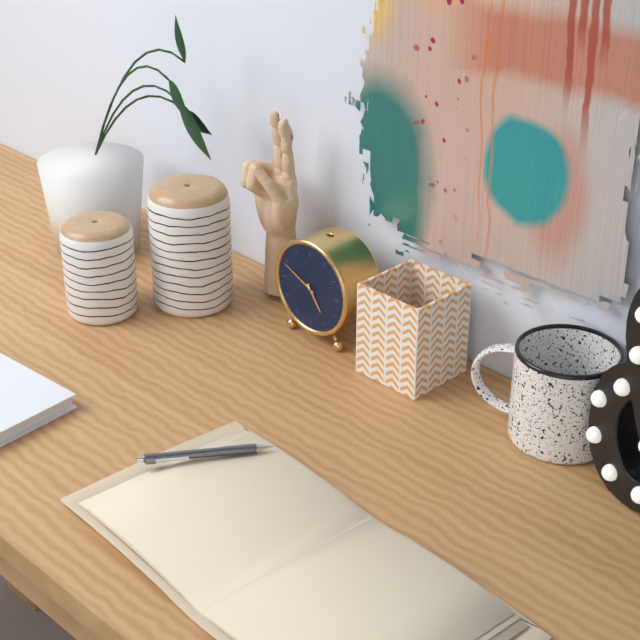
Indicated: 4 h 49 min
